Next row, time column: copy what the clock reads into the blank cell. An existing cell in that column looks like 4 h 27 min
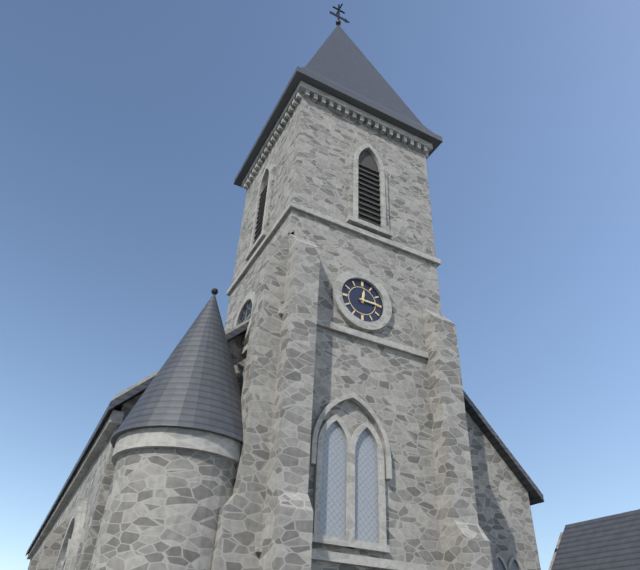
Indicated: 12 h 15 min
